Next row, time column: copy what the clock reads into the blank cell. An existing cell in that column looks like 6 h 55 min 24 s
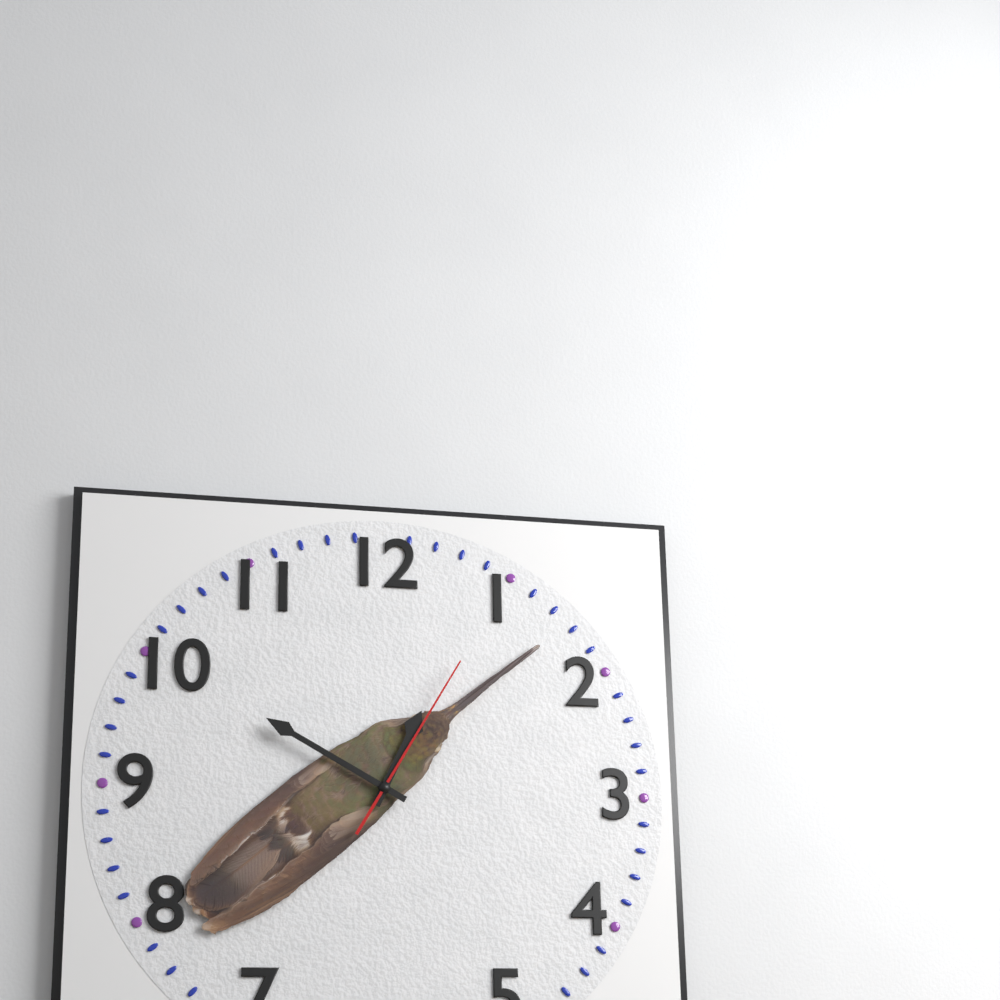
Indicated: 12 h 50 min 05 s
